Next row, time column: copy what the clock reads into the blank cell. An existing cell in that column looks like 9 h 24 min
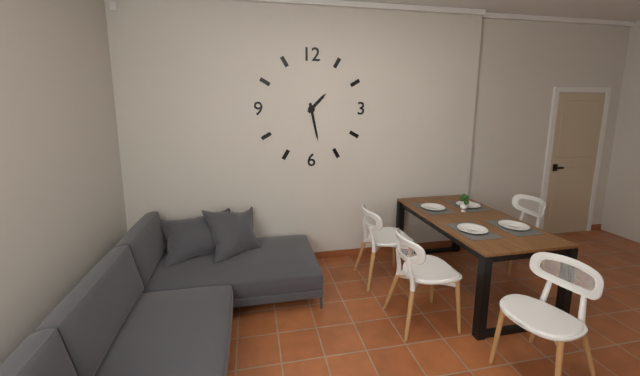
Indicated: 1 h 28 min
